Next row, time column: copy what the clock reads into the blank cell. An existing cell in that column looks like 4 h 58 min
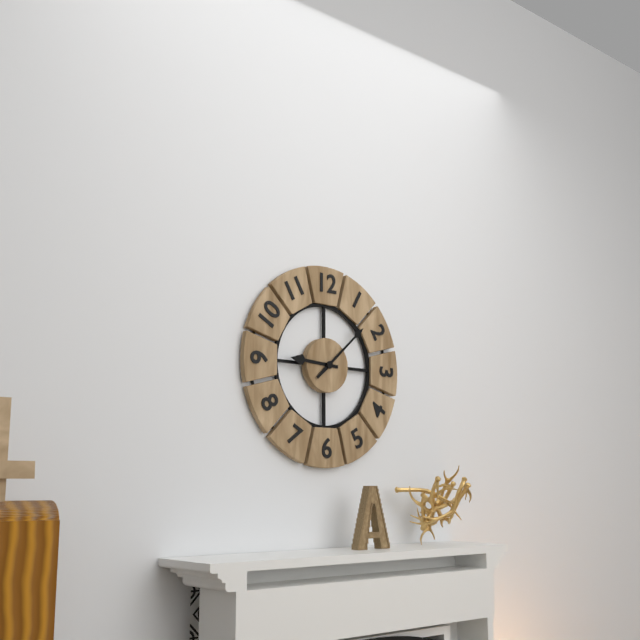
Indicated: 9 h 08 min
